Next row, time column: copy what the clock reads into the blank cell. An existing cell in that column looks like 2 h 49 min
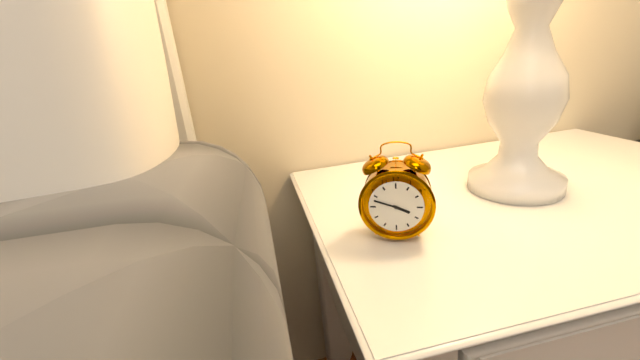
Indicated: 3 h 48 min
